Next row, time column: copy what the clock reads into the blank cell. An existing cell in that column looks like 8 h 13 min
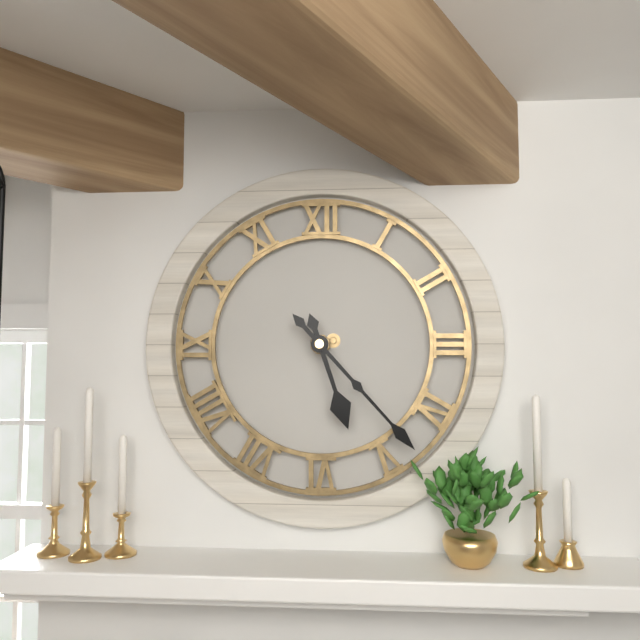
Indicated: 5 h 23 min
